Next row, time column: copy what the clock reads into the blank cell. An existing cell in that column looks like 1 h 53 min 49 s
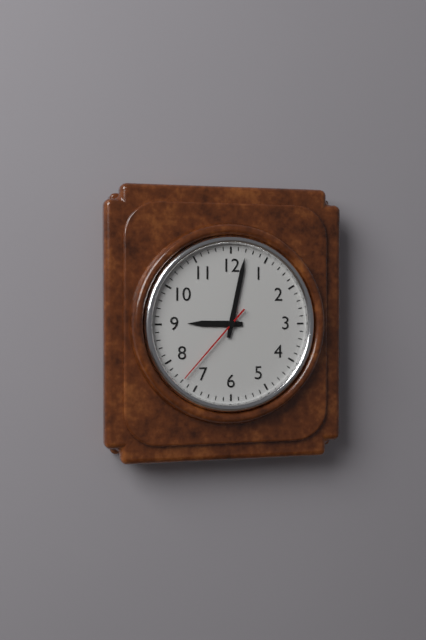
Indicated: 9 h 02 min 37 s
